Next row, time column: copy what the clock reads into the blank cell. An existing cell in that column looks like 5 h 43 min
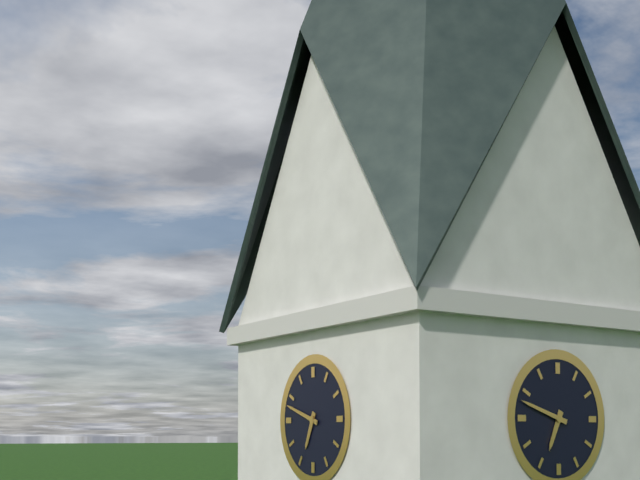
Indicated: 6 h 48 min
